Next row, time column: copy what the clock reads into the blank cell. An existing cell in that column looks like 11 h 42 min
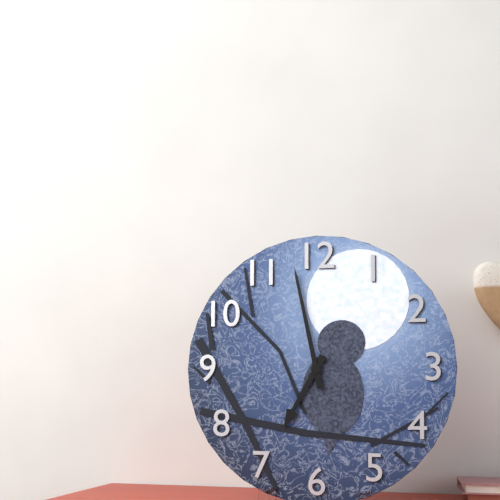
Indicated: 6 h 58 min
